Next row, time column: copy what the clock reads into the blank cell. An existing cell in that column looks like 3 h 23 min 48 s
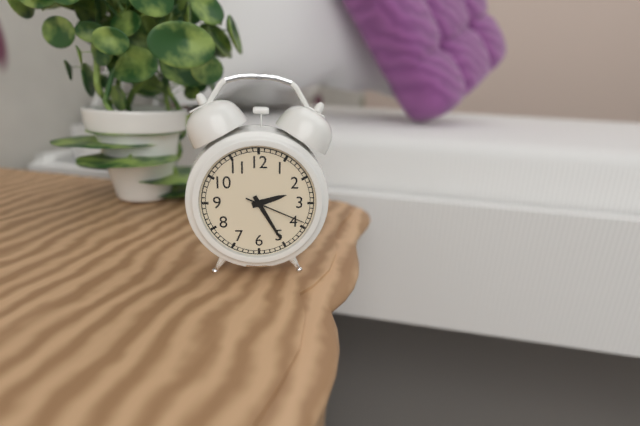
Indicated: 2 h 25 min 19 s
